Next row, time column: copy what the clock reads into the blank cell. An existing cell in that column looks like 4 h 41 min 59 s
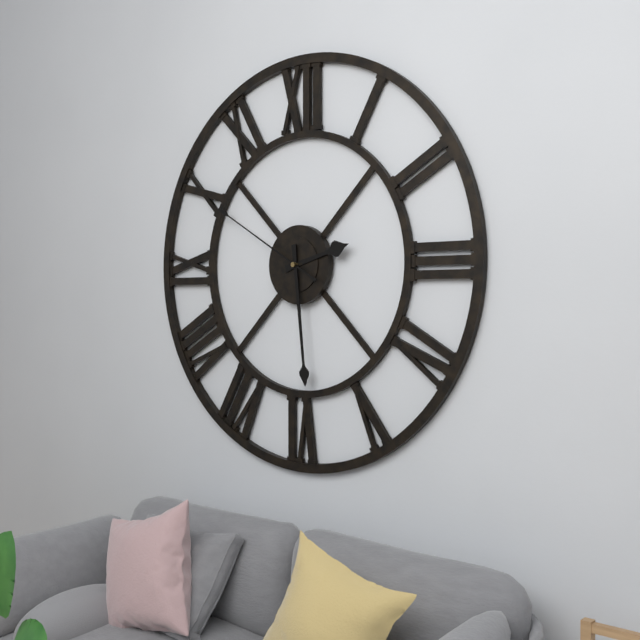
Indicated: 2 h 29 min 50 s
